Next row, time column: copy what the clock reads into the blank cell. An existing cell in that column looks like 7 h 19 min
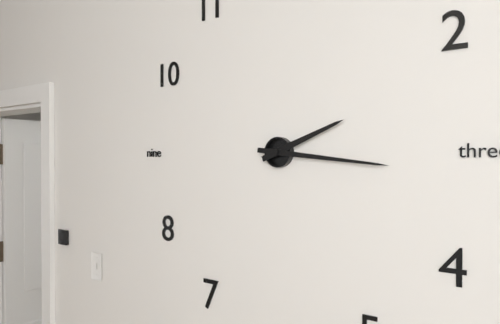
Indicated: 2 h 16 min
